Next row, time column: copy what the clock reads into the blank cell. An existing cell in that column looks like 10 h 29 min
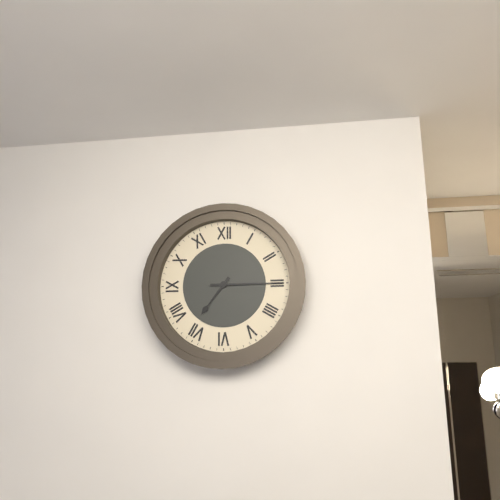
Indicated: 7 h 15 min
